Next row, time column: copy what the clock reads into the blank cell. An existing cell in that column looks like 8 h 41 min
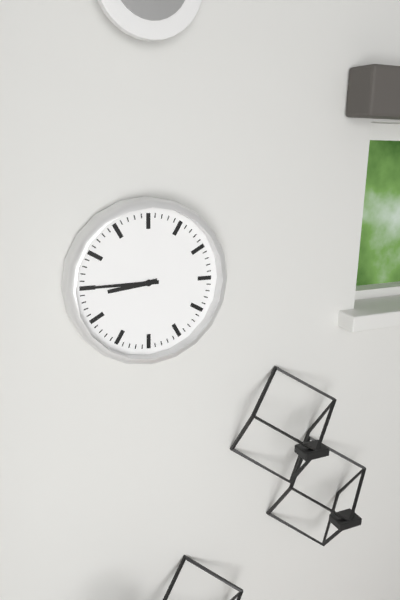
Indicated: 8 h 45 min
